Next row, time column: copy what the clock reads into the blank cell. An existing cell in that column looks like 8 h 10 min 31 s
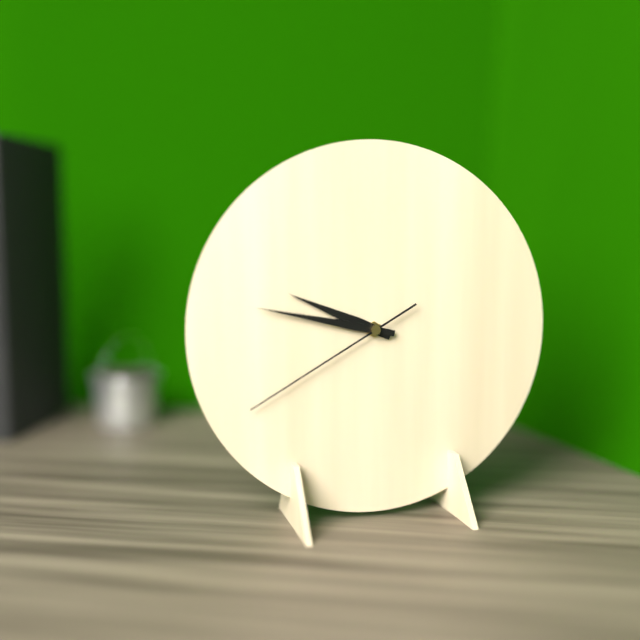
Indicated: 9 h 47 min 40 s
